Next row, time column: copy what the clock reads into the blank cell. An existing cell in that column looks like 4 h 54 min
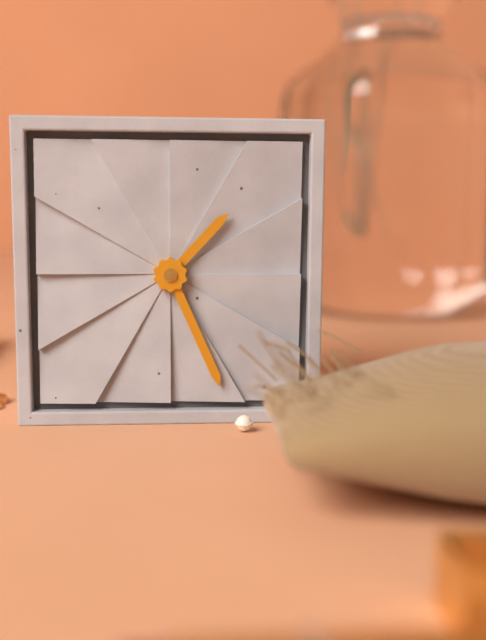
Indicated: 1 h 26 min
